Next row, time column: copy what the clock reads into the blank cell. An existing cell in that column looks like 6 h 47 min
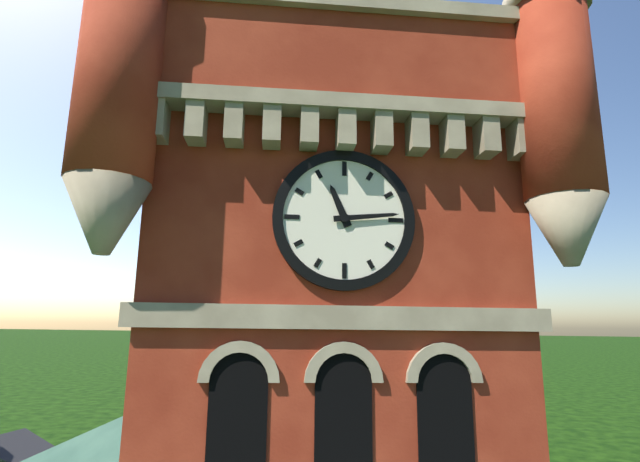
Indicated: 11 h 14 min
